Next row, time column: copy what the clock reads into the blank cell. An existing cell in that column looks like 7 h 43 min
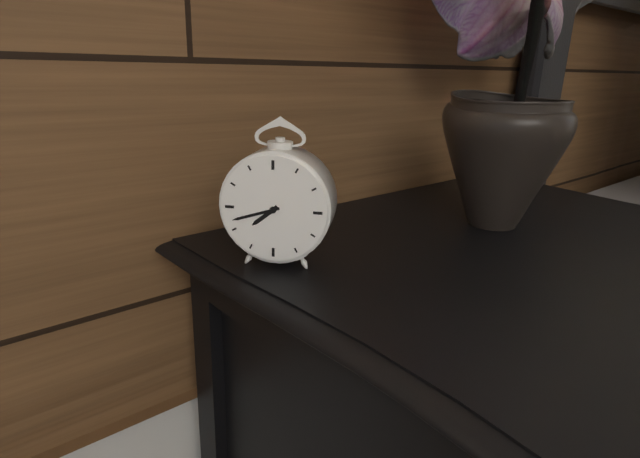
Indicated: 7 h 42 min
